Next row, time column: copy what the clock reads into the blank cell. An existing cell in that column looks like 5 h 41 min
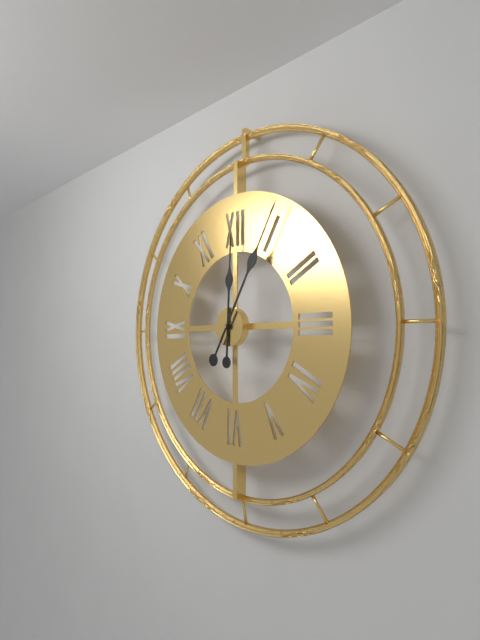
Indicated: 12 h 05 min
